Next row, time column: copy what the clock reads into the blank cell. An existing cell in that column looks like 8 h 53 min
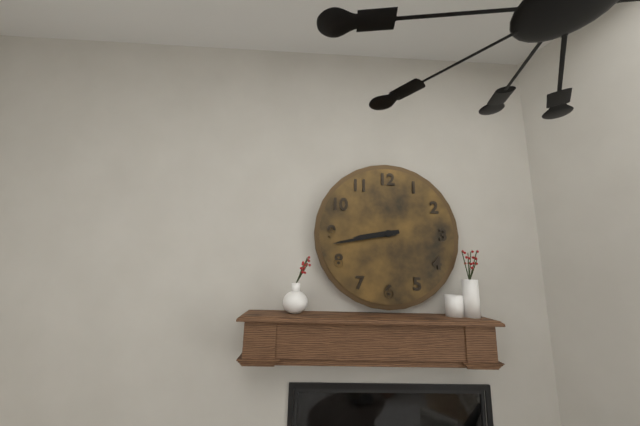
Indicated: 8 h 43 min
